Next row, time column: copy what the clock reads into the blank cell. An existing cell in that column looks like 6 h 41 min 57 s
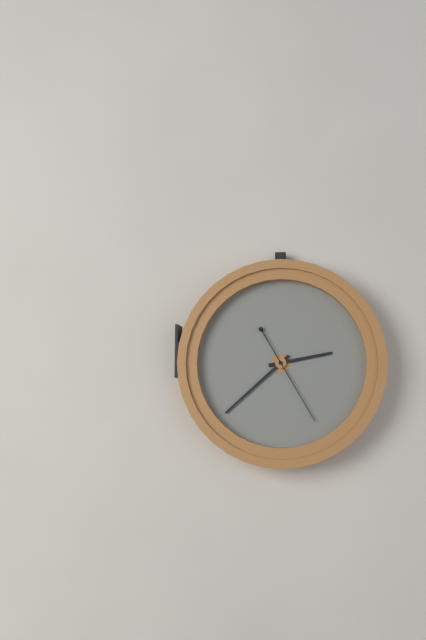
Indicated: 2 h 38 min 25 s
